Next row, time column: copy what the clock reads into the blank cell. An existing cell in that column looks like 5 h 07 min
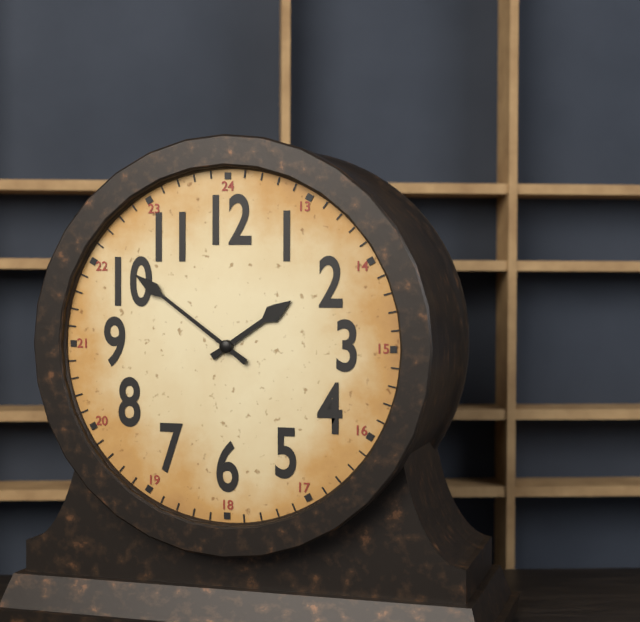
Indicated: 1 h 51 min
